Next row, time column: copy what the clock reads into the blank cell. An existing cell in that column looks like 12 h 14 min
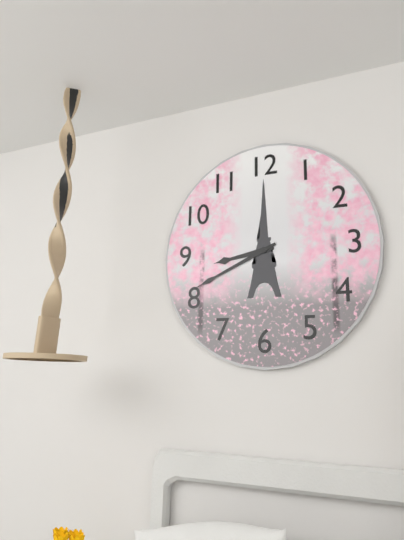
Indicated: 8 h 41 min
